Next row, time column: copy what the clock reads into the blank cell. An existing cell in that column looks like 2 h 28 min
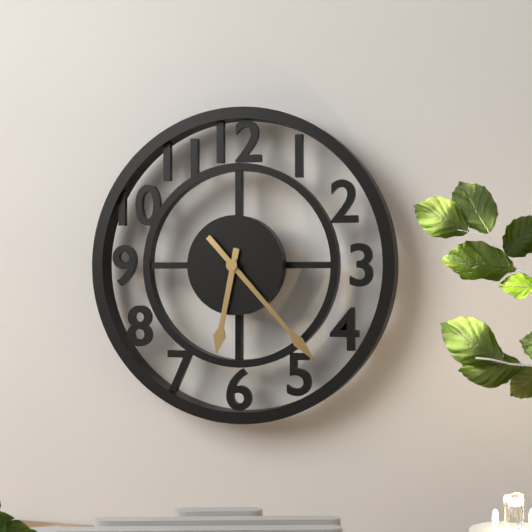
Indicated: 6 h 23 min
